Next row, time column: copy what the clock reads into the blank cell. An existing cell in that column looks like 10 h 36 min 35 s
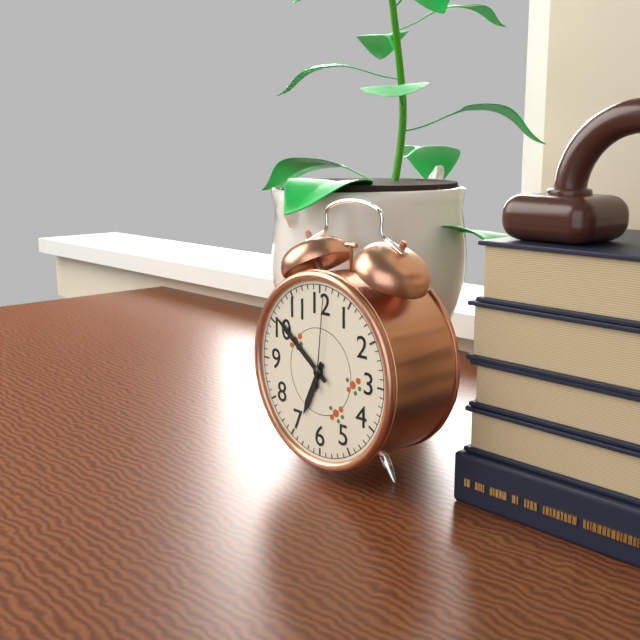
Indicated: 6 h 51 min 01 s
